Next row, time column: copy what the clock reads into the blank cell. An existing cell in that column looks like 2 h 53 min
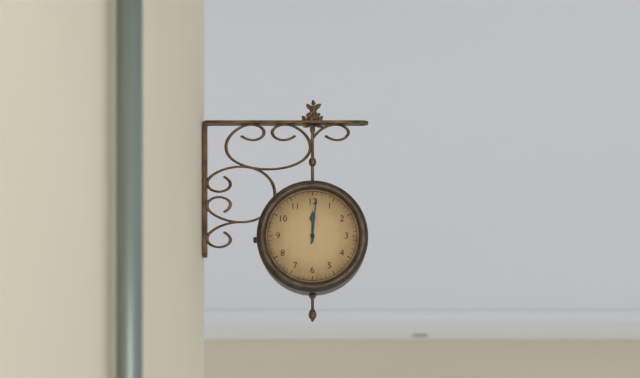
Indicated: 12 h 01 min
